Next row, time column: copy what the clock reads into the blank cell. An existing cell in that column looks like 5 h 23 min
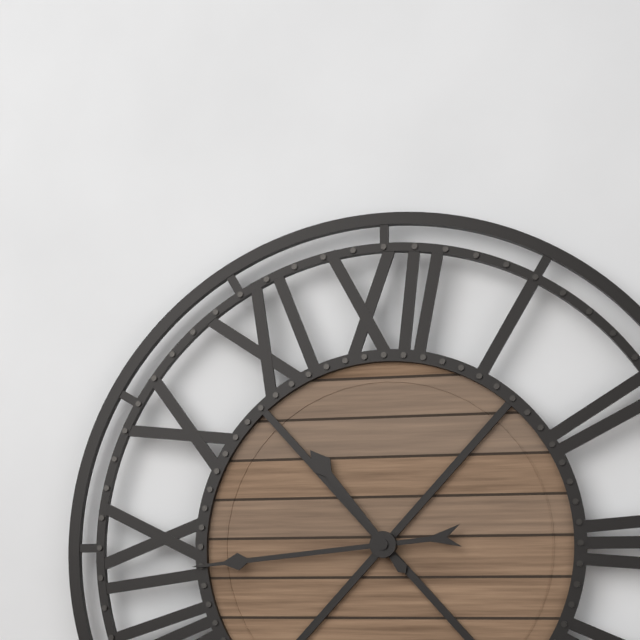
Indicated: 10 h 44 min
